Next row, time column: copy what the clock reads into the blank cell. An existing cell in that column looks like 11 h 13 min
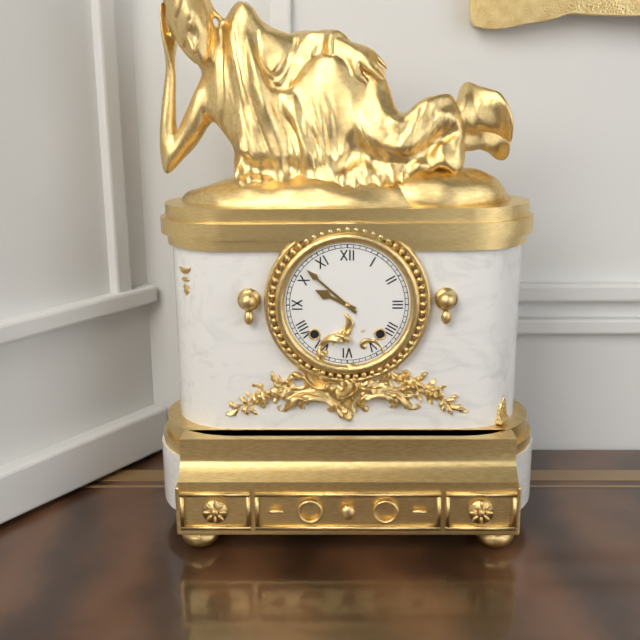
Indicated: 9 h 52 min
